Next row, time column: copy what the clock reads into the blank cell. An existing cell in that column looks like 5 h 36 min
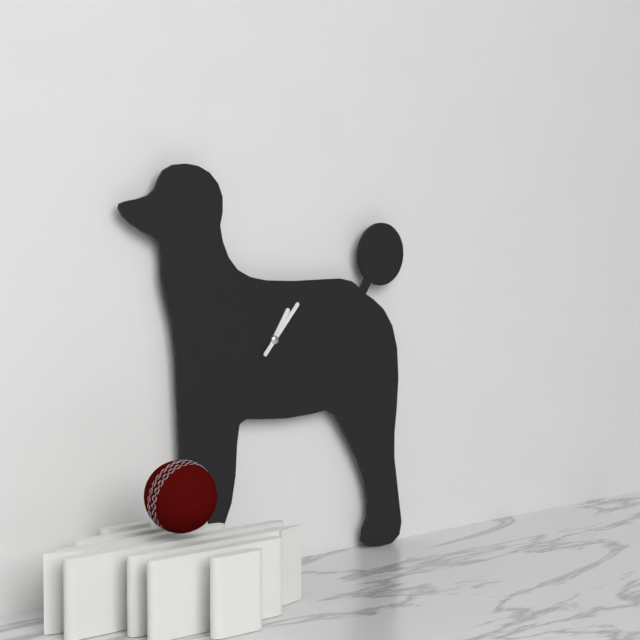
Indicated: 1 h 07 min
